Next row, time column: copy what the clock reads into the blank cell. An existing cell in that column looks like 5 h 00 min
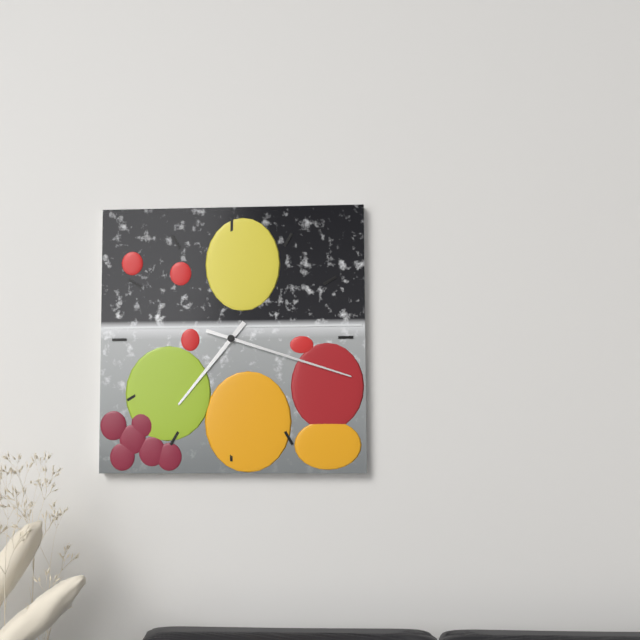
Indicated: 7 h 18 min
